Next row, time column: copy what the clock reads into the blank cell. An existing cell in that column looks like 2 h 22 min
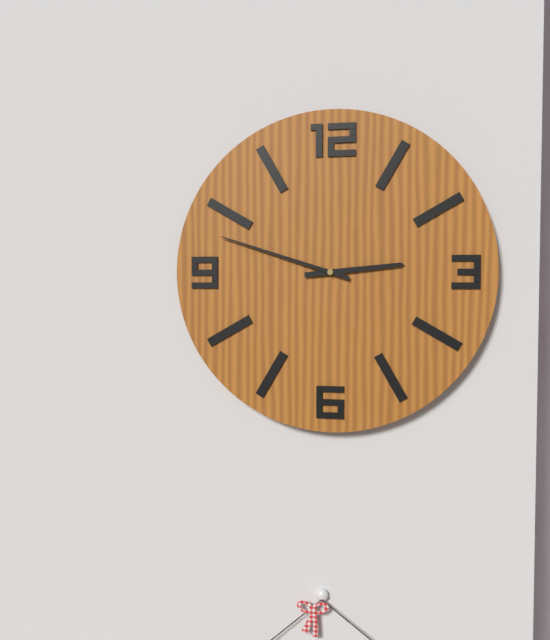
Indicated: 2 h 48 min
